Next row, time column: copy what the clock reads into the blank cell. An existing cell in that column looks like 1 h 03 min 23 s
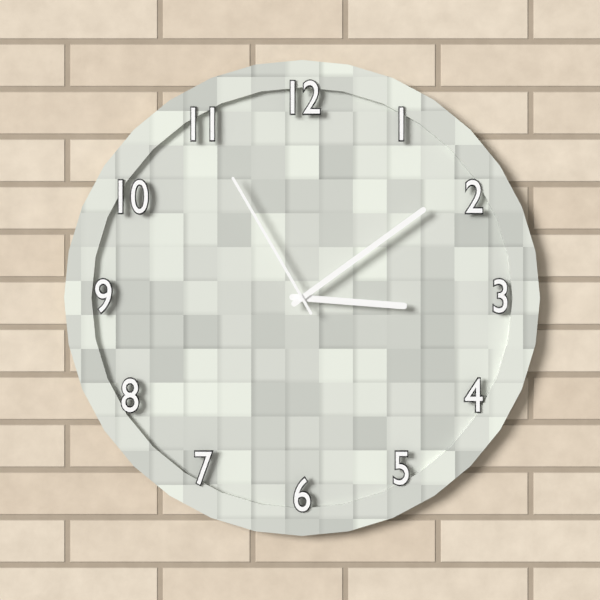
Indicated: 3 h 09 min 55 s
